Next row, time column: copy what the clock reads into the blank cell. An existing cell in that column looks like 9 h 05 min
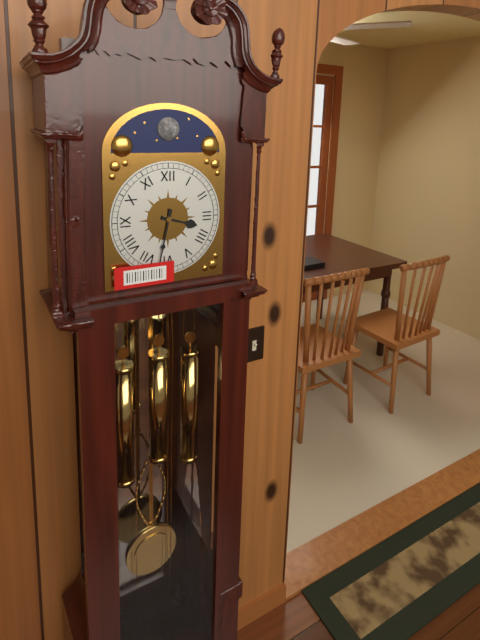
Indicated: 3 h 32 min
